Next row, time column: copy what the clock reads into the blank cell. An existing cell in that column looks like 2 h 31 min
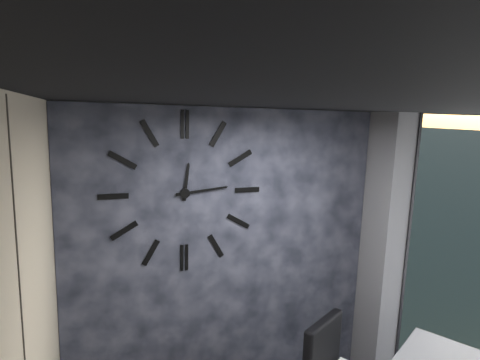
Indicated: 12 h 14 min
